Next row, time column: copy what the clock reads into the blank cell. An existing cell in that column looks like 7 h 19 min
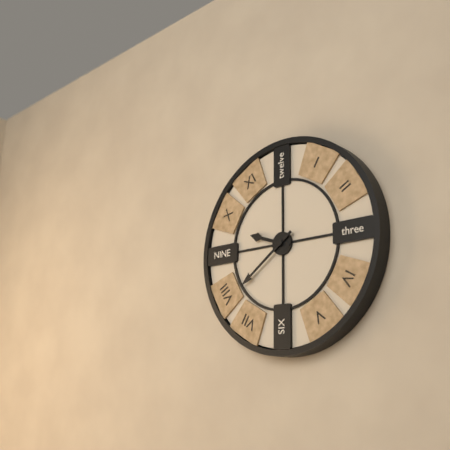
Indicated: 9 h 39 min
